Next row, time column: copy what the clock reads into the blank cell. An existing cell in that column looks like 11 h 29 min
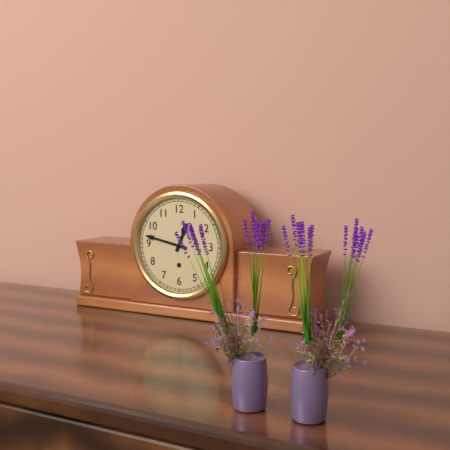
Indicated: 12 h 47 min
